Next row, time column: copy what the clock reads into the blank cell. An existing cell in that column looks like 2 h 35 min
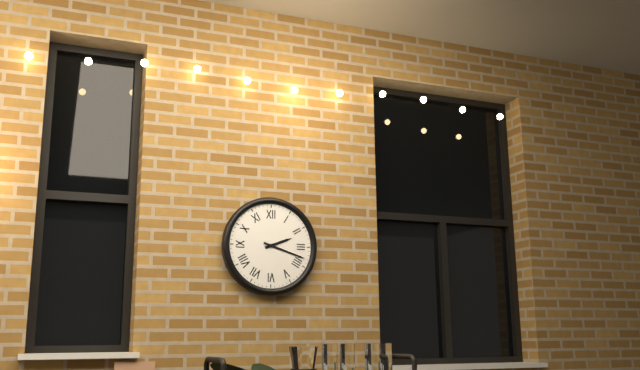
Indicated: 2 h 18 min
